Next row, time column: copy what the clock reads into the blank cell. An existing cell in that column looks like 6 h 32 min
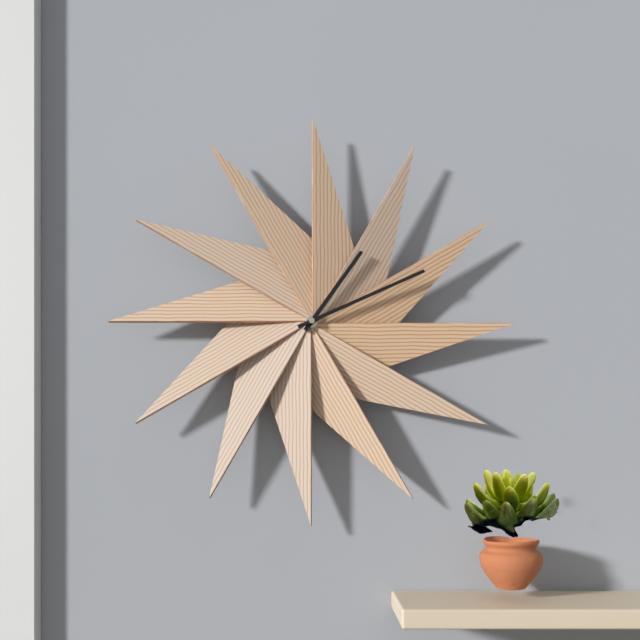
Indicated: 1 h 11 min
